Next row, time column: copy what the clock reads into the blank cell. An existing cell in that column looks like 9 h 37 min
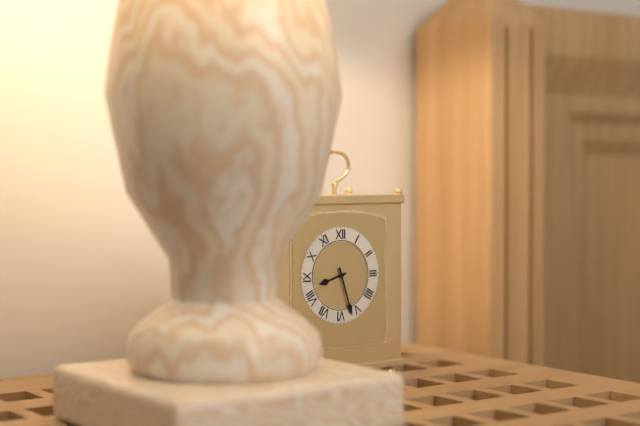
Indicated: 8 h 27 min
